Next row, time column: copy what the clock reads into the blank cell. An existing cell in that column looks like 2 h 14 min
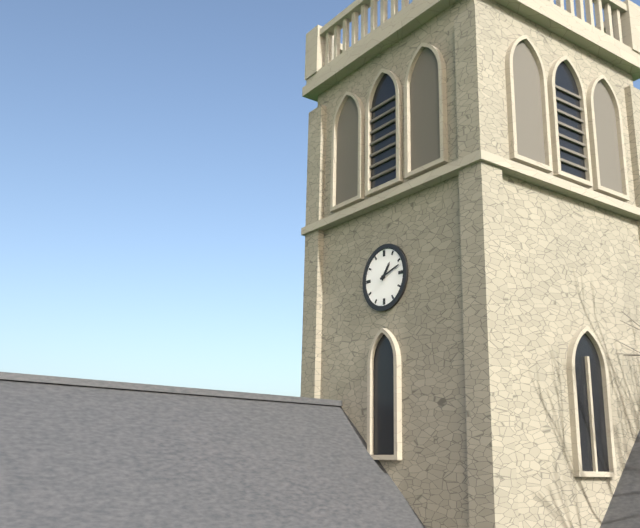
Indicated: 1 h 12 min
